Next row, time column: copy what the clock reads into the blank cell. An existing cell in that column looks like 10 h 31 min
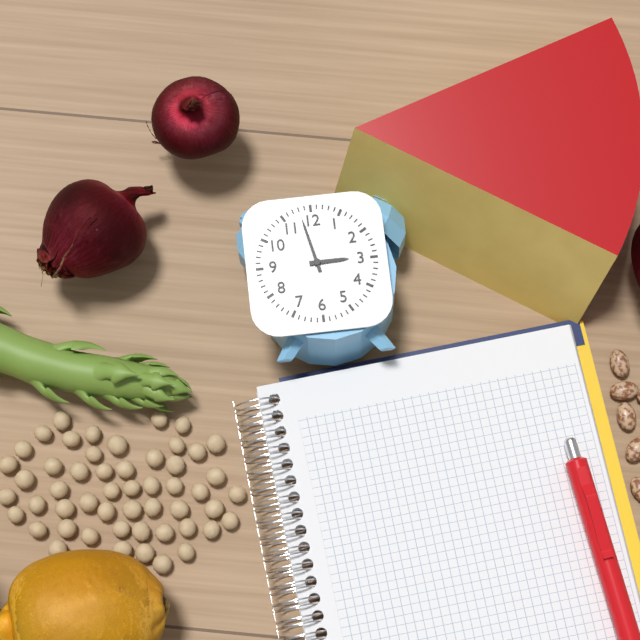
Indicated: 2 h 58 min
